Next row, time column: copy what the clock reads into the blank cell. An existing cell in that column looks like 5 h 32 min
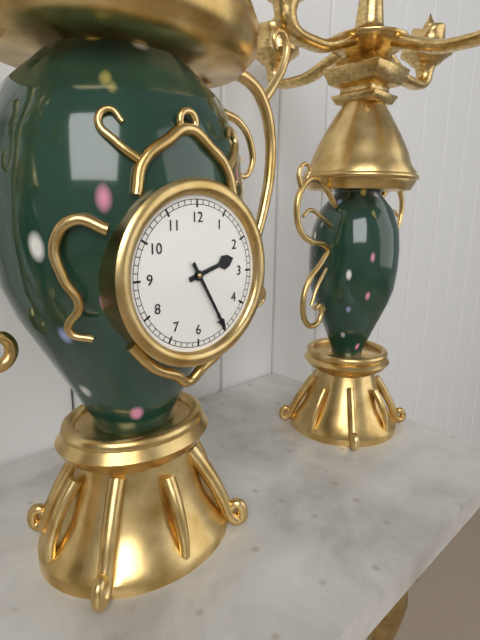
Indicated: 2 h 25 min
